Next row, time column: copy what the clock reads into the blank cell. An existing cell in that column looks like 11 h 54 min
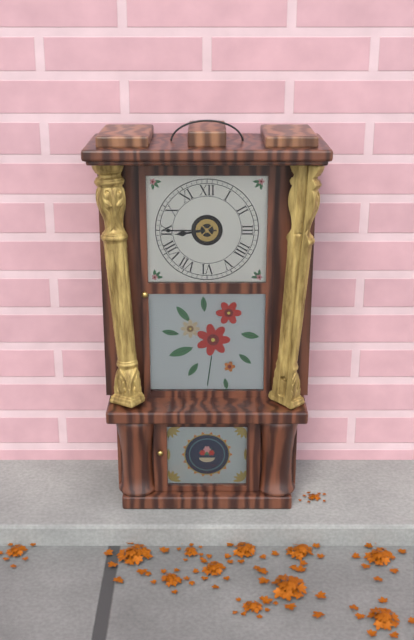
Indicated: 8 h 45 min
